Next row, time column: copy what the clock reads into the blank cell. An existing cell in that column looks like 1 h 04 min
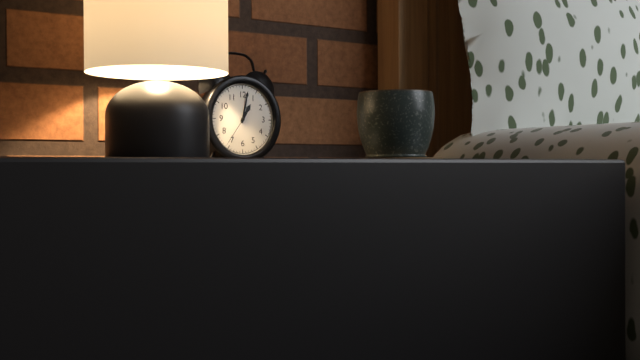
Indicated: 1 h 02 min
